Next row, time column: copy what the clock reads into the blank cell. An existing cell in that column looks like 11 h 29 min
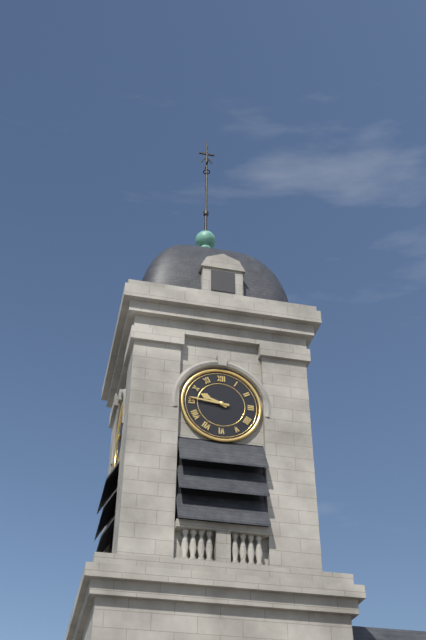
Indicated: 9 h 46 min
